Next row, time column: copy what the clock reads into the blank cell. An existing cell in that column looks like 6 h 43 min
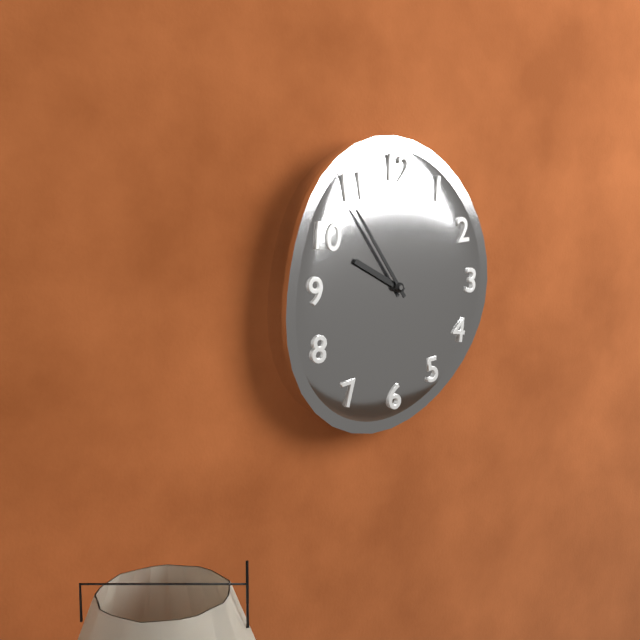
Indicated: 9 h 54 min
